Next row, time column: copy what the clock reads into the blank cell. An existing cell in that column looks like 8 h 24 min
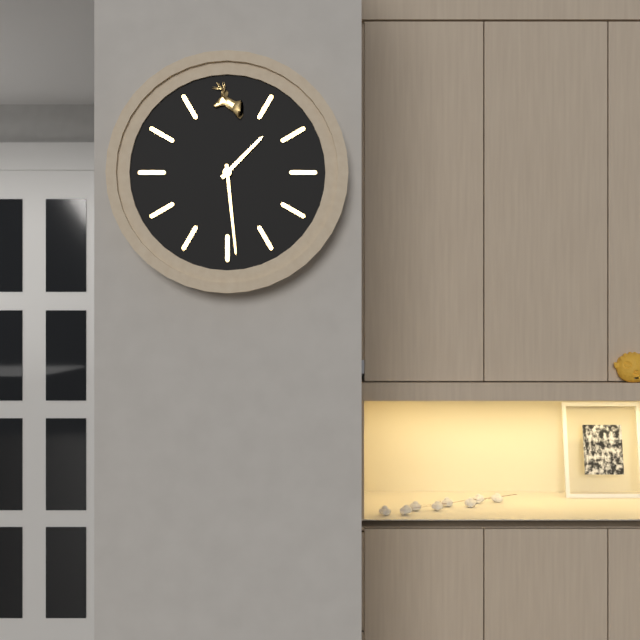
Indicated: 1 h 29 min
